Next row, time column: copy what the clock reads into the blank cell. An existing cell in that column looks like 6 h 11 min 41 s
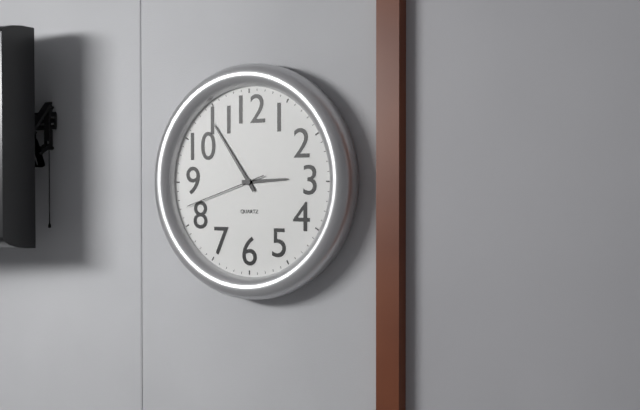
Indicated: 2 h 54 min 42 s
